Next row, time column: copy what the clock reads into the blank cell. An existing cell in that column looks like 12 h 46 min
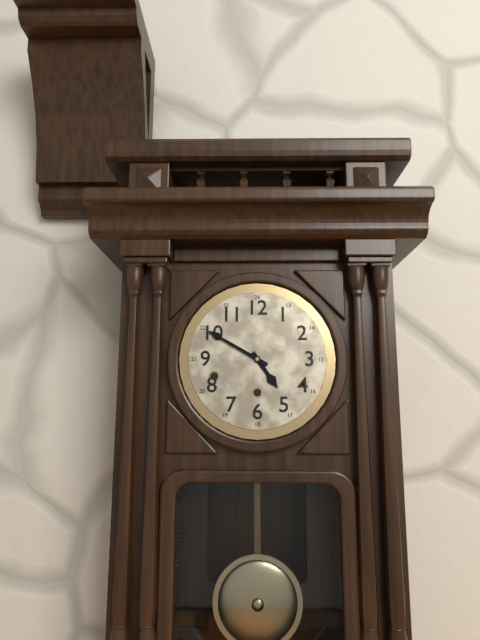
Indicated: 4 h 50 min
